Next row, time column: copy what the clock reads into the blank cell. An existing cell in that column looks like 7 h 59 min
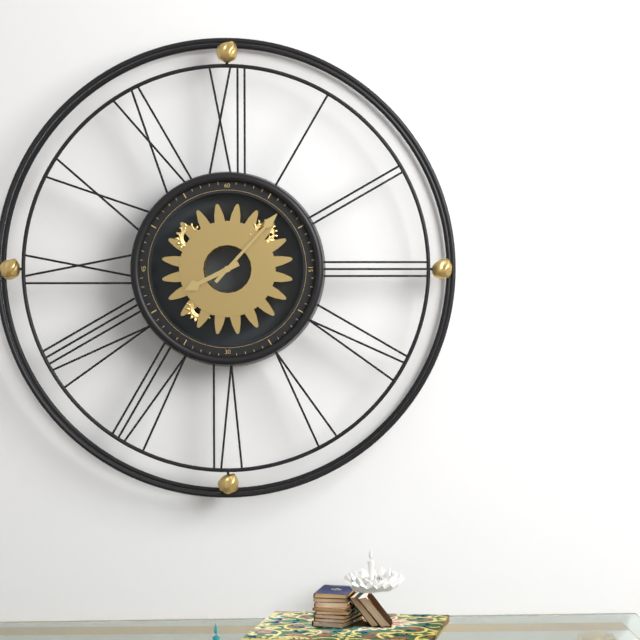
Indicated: 8 h 07 min
